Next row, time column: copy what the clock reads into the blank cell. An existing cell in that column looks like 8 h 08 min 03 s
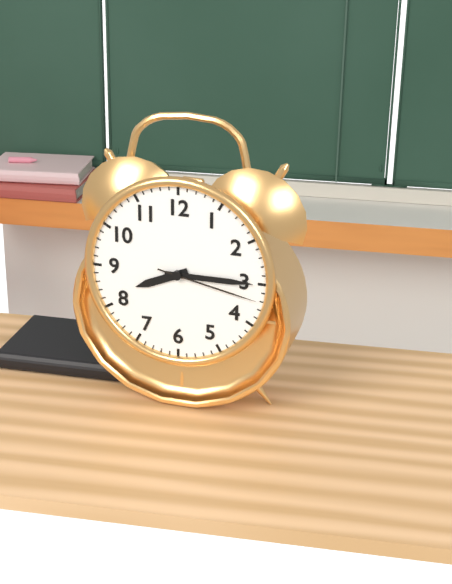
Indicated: 8 h 15 min 17 s
